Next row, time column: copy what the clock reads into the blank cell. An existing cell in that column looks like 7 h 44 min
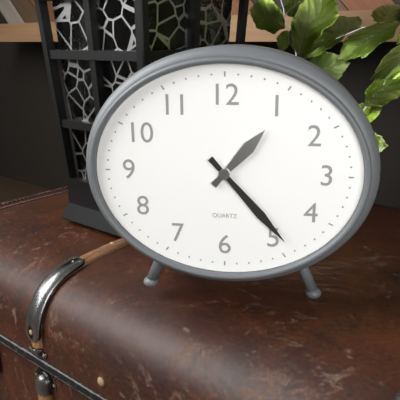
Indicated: 1 h 23 min
